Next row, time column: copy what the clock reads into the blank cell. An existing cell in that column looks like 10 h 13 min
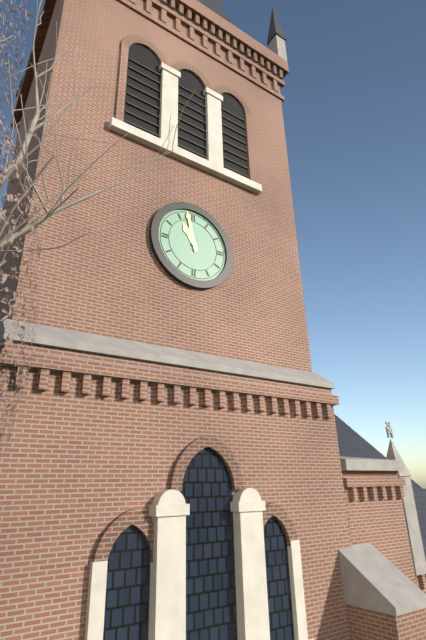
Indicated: 10 h 58 min
